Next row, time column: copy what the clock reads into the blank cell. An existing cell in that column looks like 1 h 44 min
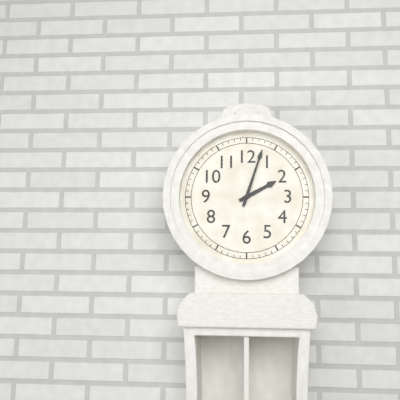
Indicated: 2 h 03 min
